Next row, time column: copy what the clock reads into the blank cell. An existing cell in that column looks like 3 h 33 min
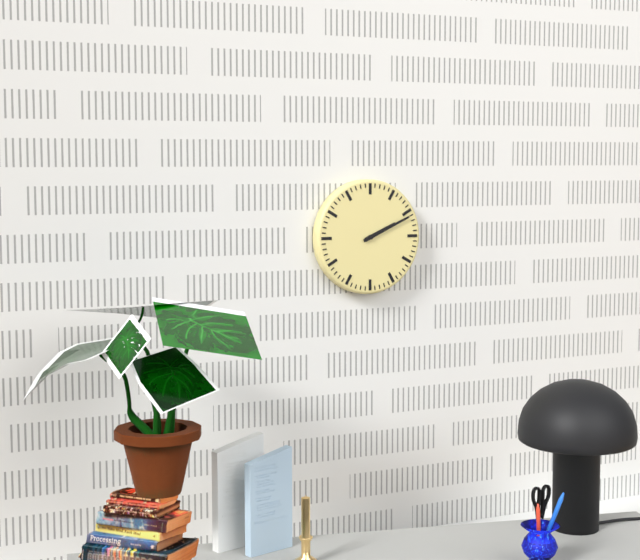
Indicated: 2 h 11 min
